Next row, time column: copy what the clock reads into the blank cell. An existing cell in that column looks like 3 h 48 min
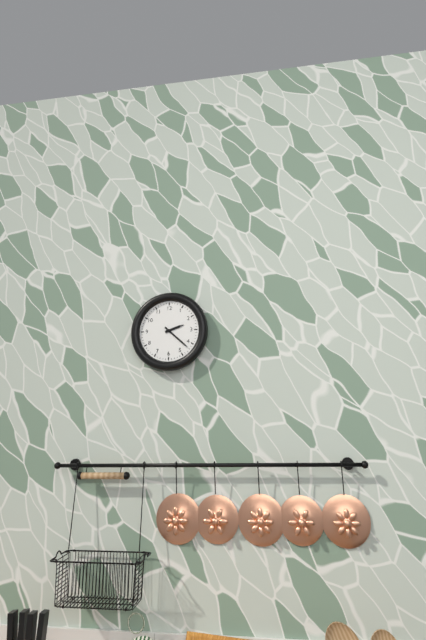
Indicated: 2 h 22 min
